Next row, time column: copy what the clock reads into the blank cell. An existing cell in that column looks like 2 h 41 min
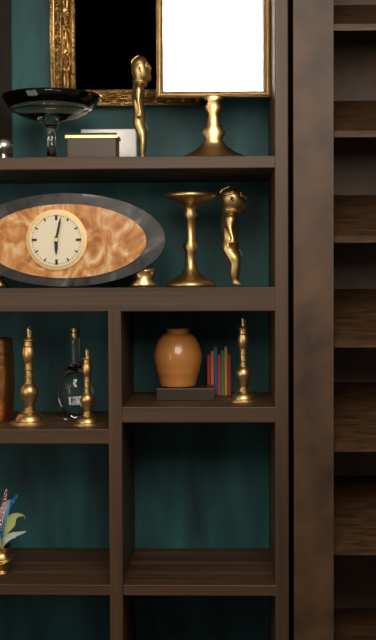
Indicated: 6 h 02 min
